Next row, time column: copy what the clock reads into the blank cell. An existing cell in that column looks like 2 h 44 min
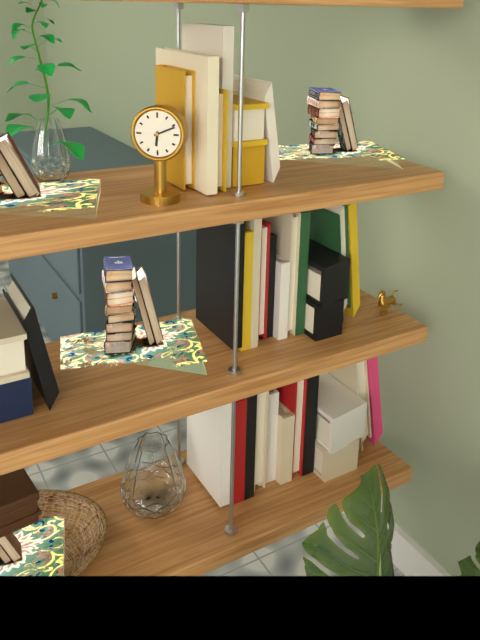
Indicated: 6 h 11 min
